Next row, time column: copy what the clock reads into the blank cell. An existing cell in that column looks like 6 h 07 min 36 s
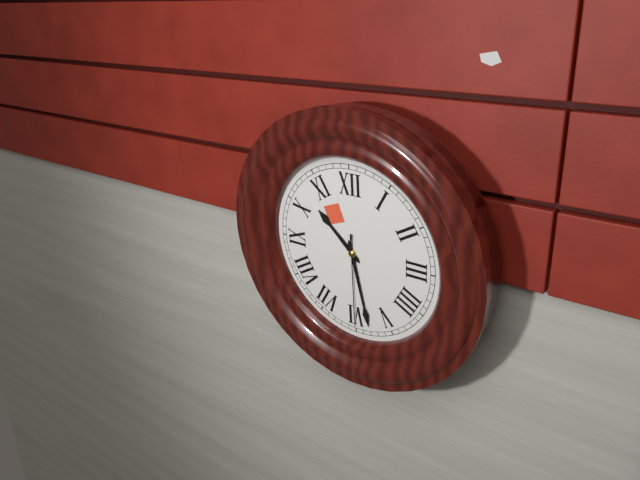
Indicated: 10 h 28 min 30 s
